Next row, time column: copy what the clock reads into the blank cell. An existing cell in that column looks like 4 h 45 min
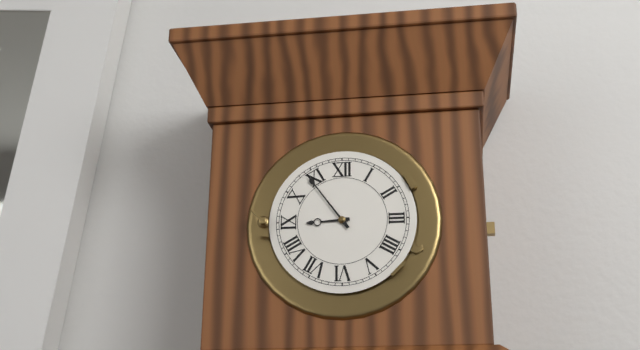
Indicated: 8 h 54 min
